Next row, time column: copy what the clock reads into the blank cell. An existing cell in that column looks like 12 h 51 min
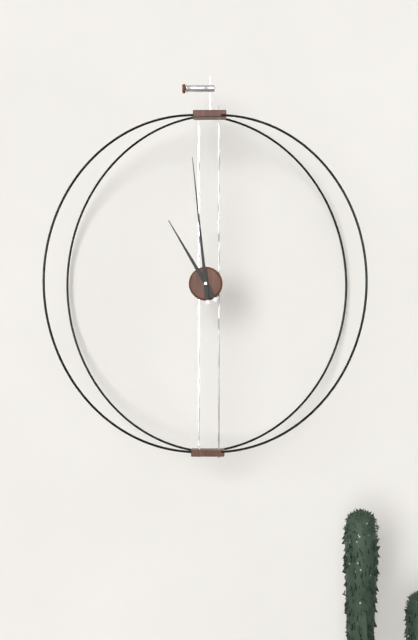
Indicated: 10 h 59 min
